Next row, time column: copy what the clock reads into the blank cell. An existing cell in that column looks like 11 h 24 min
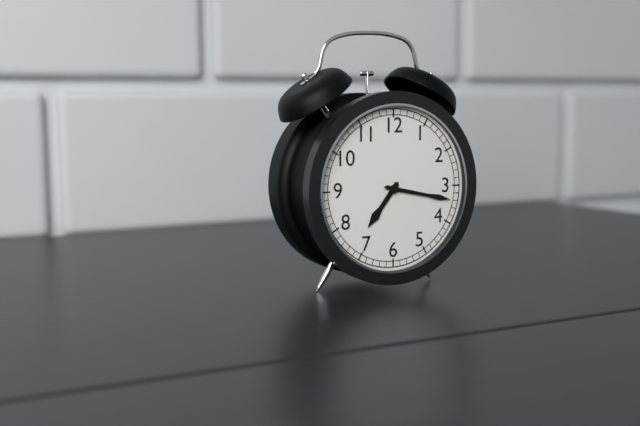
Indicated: 7 h 17 min
